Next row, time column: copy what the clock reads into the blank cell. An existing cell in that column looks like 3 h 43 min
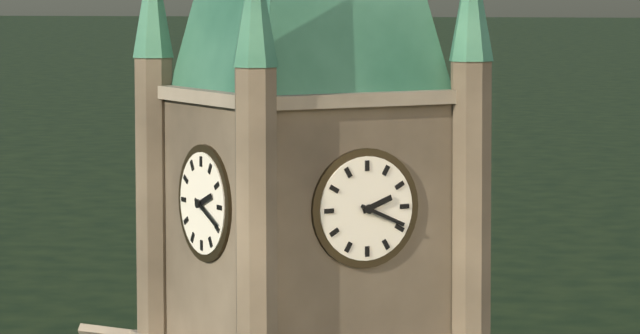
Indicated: 2 h 19 min
